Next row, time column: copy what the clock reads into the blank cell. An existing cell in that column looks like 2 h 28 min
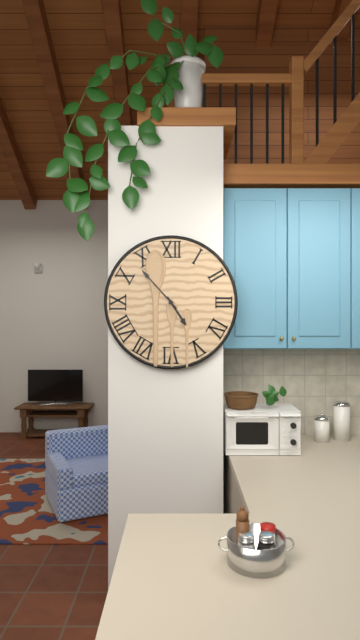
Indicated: 4 h 53 min
